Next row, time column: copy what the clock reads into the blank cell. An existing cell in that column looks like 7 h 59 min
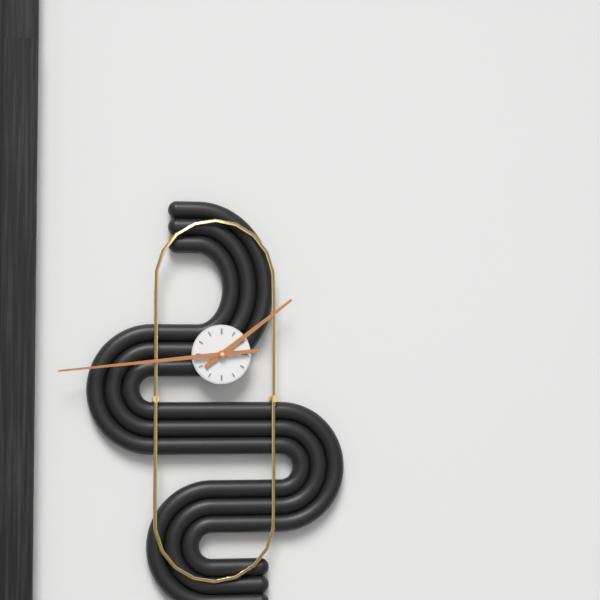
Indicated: 1 h 44 min
